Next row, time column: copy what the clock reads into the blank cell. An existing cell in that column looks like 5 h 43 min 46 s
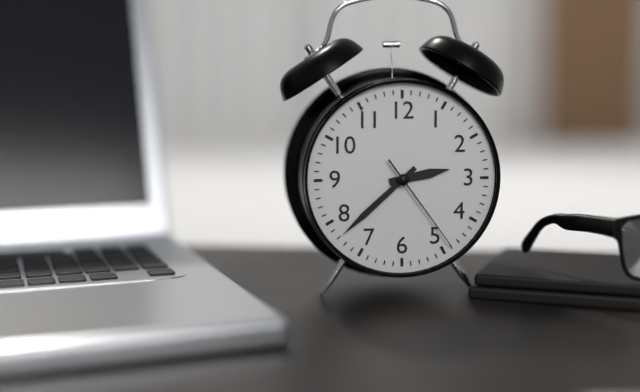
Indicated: 2 h 38 min 24 s
